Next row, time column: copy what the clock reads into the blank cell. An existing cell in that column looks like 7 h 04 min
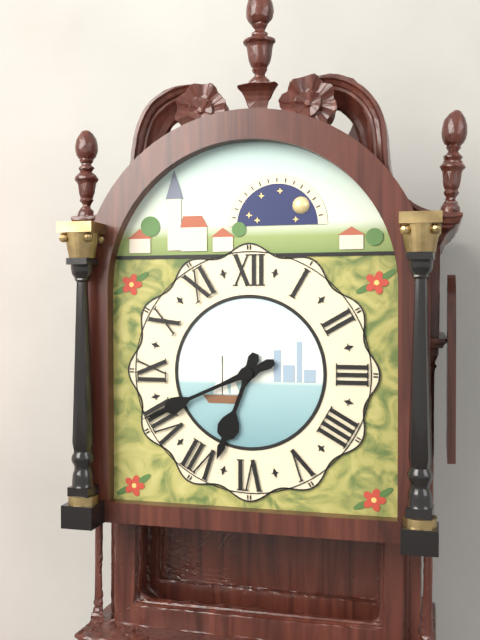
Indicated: 6 h 41 min
